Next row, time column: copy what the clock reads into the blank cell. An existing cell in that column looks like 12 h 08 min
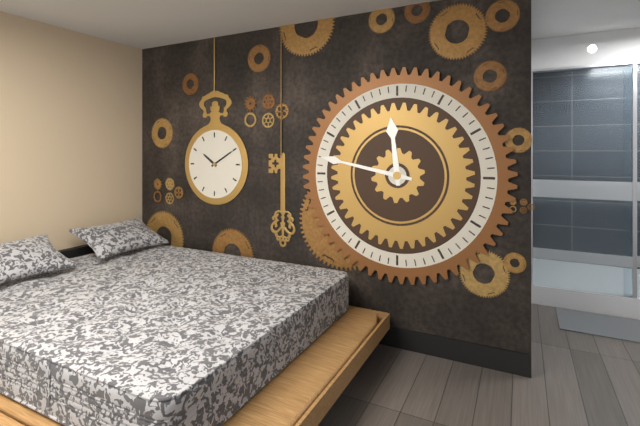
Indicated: 11 h 47 min
